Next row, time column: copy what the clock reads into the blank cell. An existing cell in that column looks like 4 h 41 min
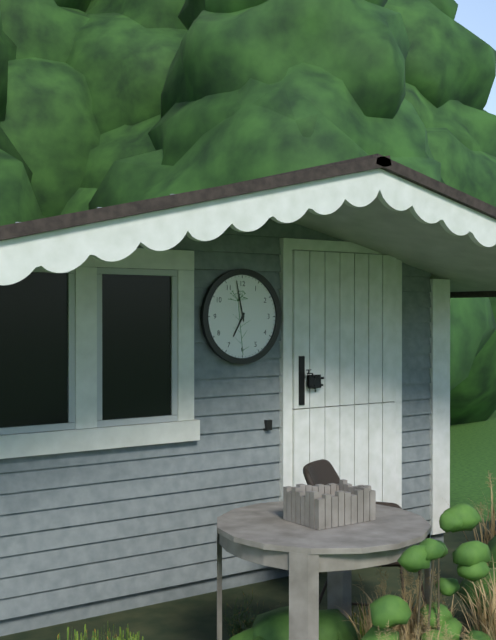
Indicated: 6 h 58 min
